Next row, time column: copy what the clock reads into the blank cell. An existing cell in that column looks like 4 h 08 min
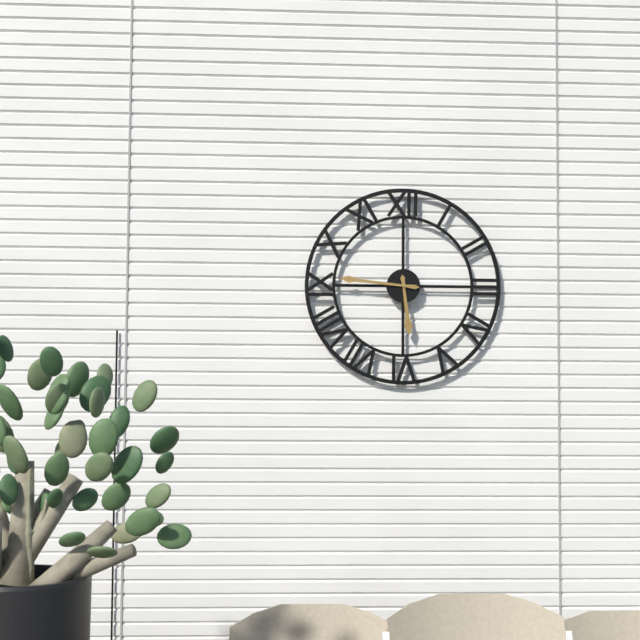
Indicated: 5 h 46 min
